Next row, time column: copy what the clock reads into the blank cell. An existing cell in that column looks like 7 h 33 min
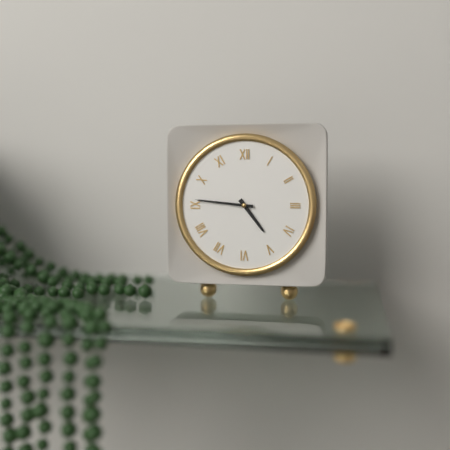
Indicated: 4 h 46 min
